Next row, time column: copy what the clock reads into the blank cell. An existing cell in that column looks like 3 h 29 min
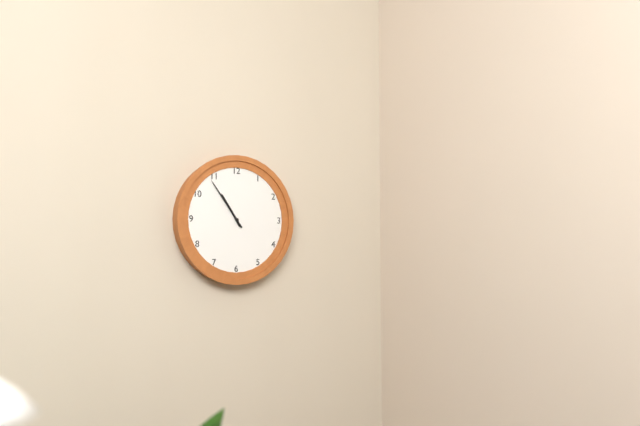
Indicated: 10 h 54 min
